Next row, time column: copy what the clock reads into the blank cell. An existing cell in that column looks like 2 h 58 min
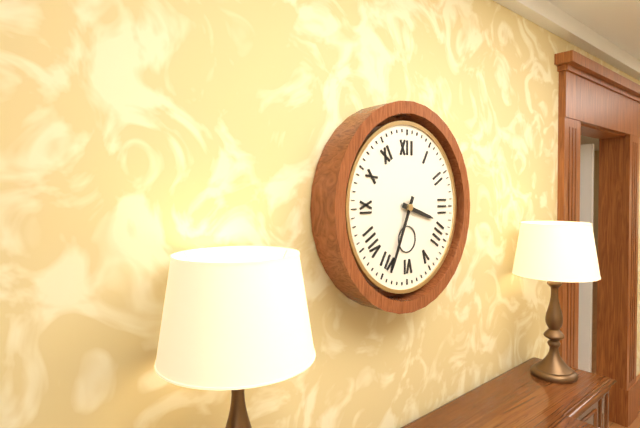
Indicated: 3 h 34 min
